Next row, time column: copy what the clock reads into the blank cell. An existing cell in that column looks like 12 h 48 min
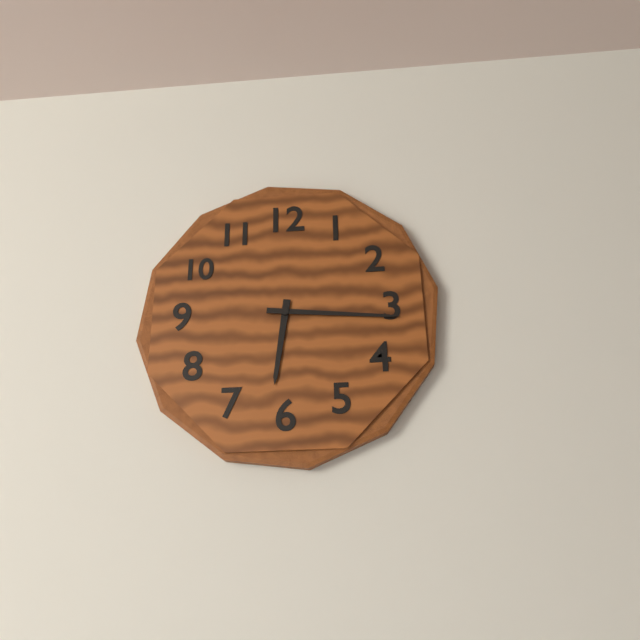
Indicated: 6 h 16 min
